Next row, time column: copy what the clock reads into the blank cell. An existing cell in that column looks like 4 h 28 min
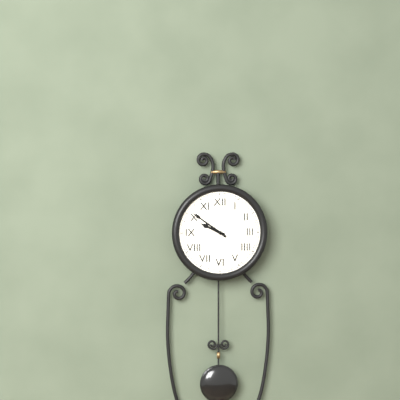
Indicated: 9 h 51 min
